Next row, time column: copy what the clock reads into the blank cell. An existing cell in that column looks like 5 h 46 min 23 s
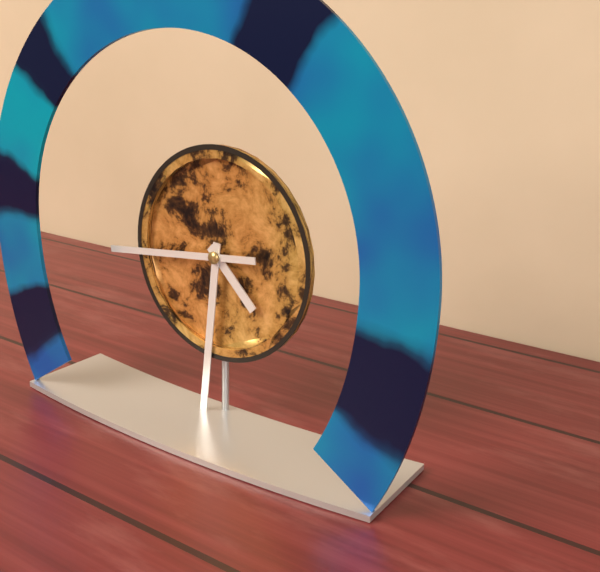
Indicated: 4 h 31 min 44 s
